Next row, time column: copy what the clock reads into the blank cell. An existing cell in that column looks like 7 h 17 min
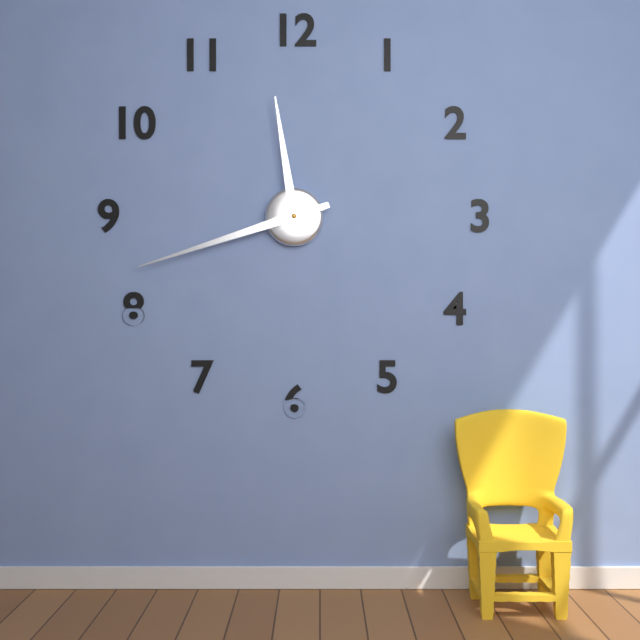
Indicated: 11 h 42 min
